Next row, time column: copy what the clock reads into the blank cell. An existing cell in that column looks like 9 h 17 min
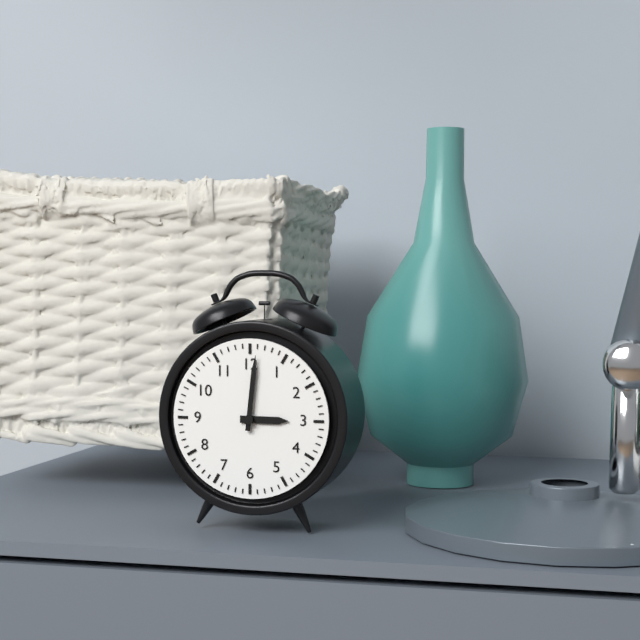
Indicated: 3 h 01 min
